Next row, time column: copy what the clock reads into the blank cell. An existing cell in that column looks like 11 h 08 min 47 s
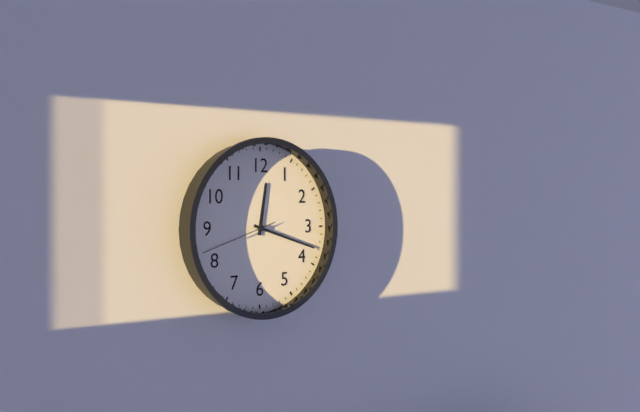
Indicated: 12 h 18 min 42 s
